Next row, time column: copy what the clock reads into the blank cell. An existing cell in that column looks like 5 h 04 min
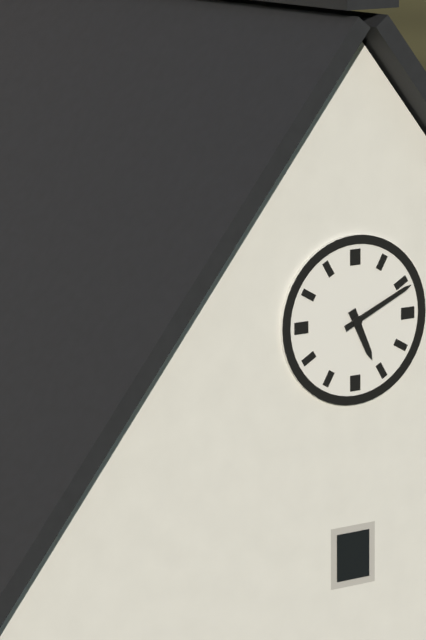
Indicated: 5 h 11 min
